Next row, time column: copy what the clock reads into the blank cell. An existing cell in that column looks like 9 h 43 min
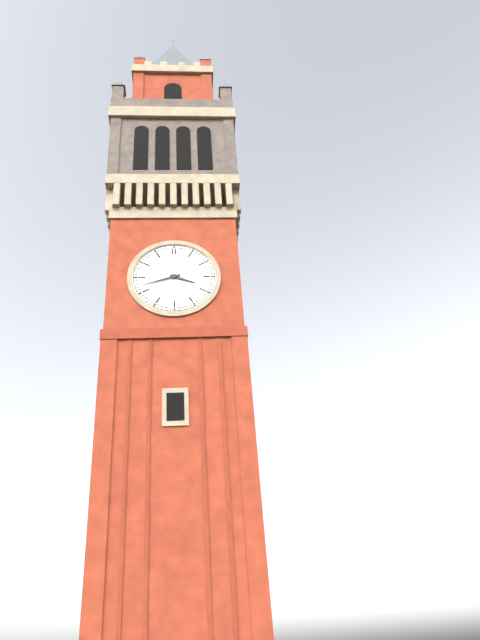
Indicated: 3 h 42 min
